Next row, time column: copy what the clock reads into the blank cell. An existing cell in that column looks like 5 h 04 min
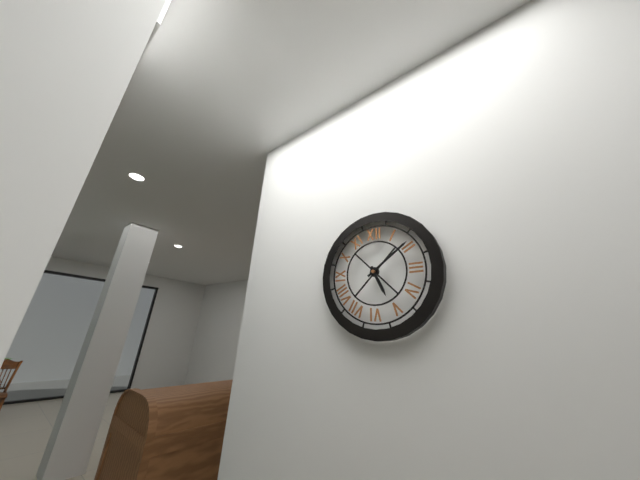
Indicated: 5 h 09 min
